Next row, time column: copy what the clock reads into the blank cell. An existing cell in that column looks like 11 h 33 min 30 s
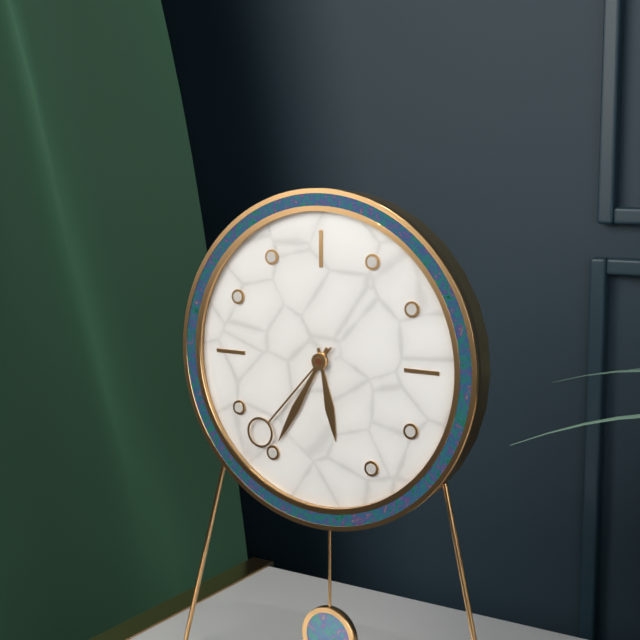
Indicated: 5 h 35 min 37 s
